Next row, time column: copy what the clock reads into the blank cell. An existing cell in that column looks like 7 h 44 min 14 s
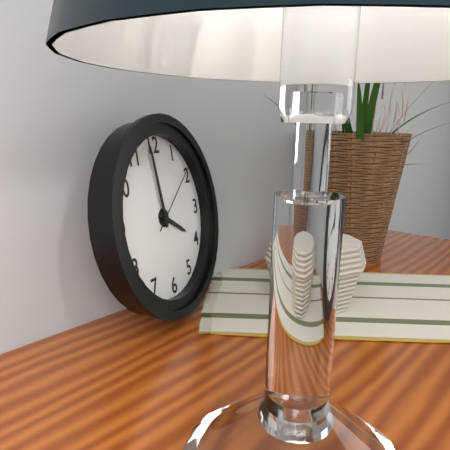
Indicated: 3 h 59 min 09 s
